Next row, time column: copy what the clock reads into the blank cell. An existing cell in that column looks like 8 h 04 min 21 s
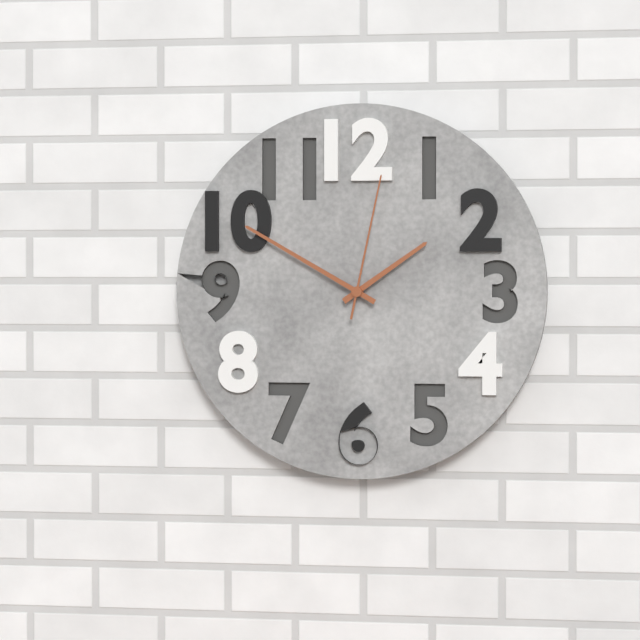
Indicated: 1 h 50 min 02 s
